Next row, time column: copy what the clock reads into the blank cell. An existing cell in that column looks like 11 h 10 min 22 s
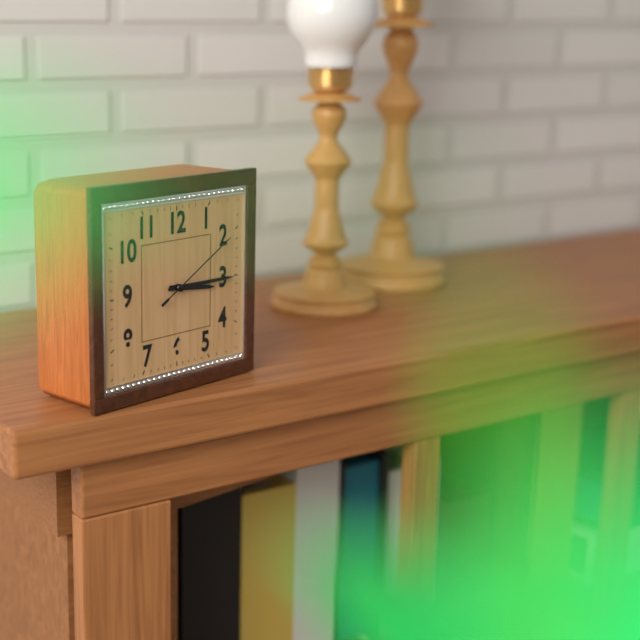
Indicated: 3 h 15 min 10 s
